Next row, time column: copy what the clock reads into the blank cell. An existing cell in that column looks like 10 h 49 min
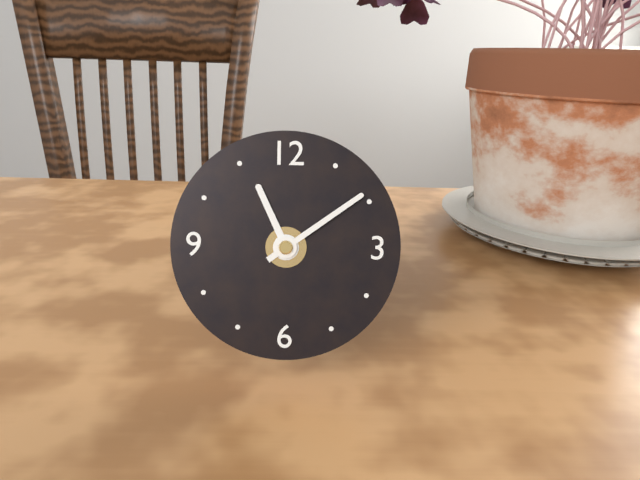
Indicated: 11 h 09 min
